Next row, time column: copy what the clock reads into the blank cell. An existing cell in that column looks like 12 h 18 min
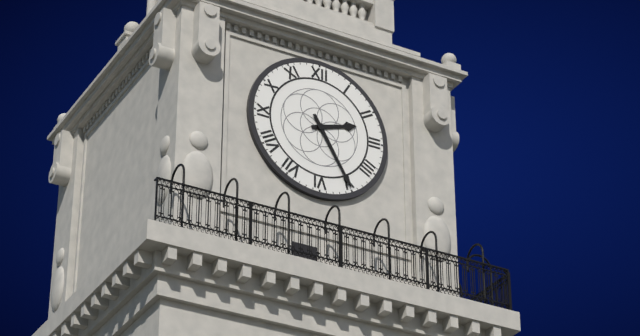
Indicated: 2 h 25 min
